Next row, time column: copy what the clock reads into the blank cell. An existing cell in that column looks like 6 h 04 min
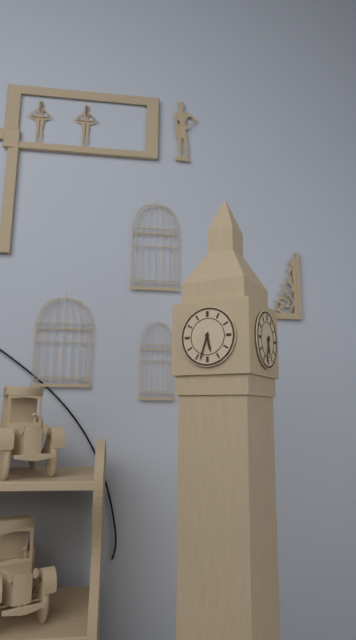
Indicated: 5 h 33 min
